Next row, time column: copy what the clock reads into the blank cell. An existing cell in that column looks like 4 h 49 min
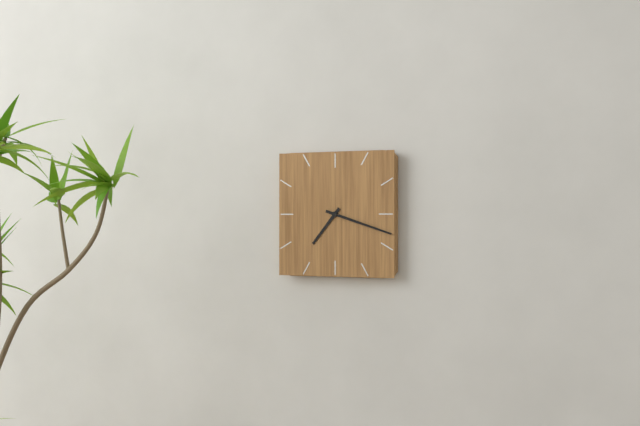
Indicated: 7 h 18 min
